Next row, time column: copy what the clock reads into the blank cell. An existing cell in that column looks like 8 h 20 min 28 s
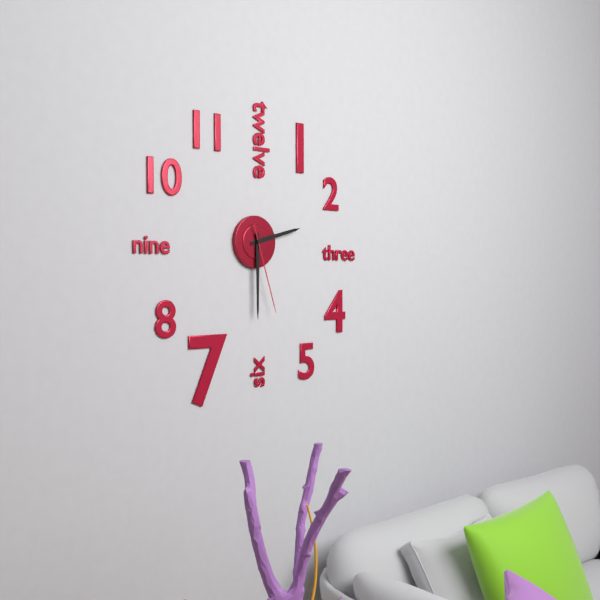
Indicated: 2 h 30 min 27 s
